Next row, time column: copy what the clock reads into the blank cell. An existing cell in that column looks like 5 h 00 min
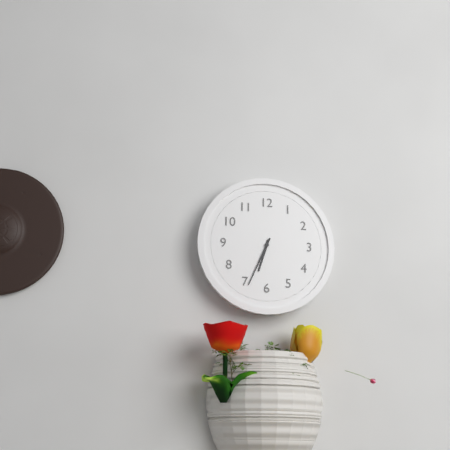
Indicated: 6 h 34 min
